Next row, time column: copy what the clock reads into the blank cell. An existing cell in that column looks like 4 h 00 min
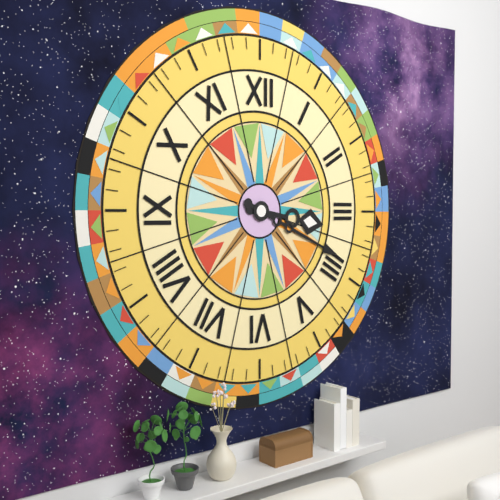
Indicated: 3 h 19 min
